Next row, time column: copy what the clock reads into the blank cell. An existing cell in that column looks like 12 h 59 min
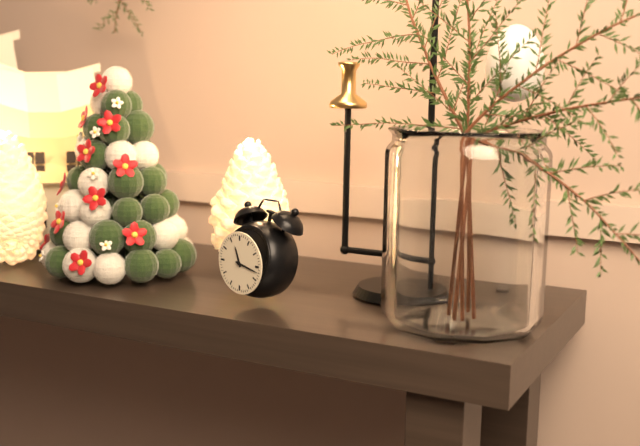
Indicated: 11 h 17 min
